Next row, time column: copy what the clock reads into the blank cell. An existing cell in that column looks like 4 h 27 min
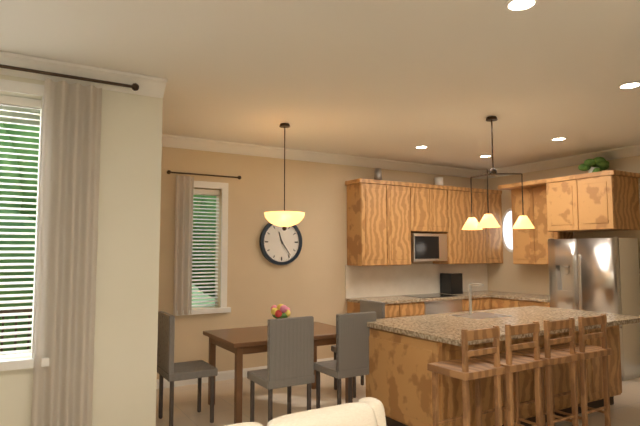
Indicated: 11 h 24 min
